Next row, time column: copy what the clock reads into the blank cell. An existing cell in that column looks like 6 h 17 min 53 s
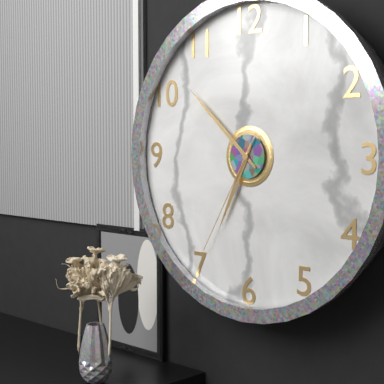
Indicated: 6 h 52 min 35 s
